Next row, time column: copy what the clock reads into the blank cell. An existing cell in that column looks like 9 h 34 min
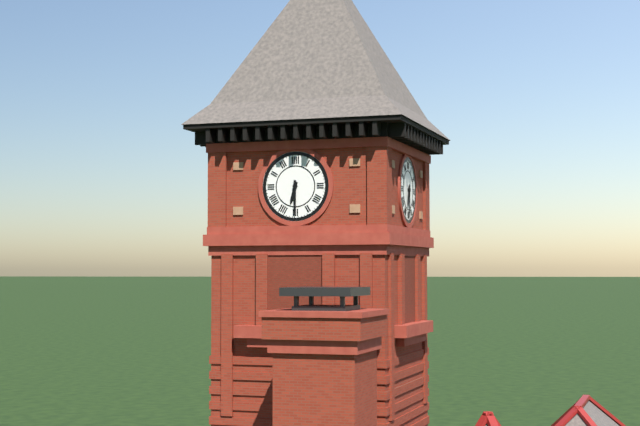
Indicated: 6 h 30 min
